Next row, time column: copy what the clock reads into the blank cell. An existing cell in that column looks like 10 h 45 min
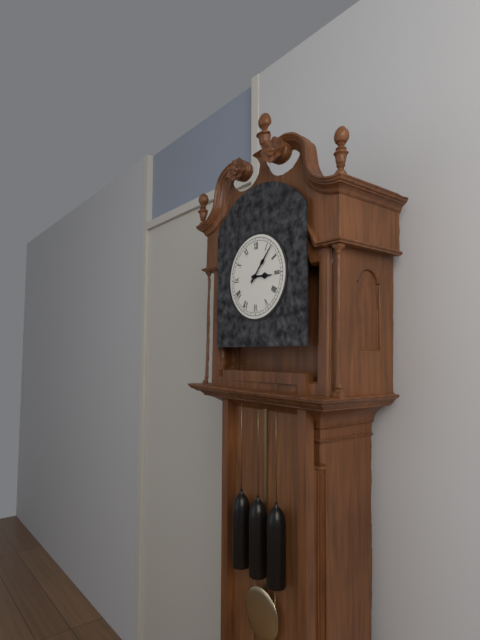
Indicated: 3 h 07 min
